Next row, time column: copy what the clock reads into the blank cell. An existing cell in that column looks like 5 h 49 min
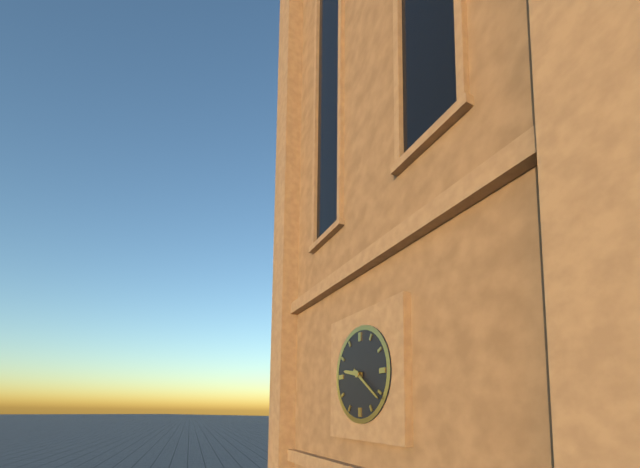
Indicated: 9 h 21 min
